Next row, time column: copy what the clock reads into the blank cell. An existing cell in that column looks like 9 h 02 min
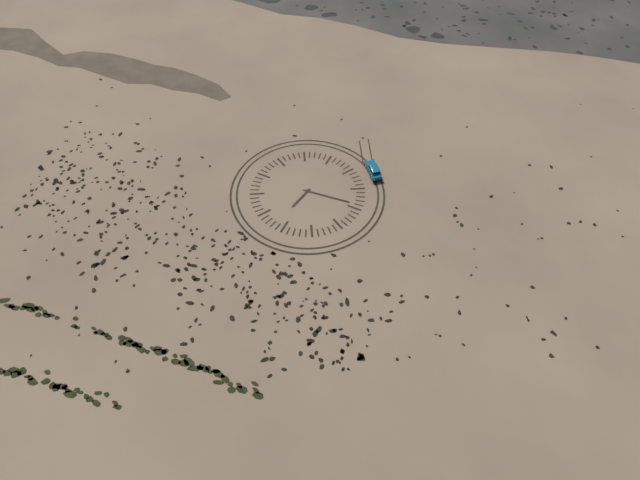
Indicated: 7 h 19 min
